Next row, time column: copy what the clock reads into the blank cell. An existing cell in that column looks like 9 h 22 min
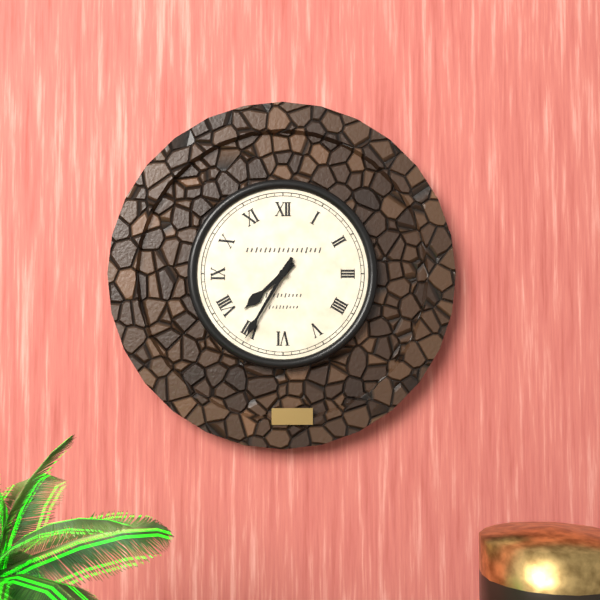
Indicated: 7 h 35 min
